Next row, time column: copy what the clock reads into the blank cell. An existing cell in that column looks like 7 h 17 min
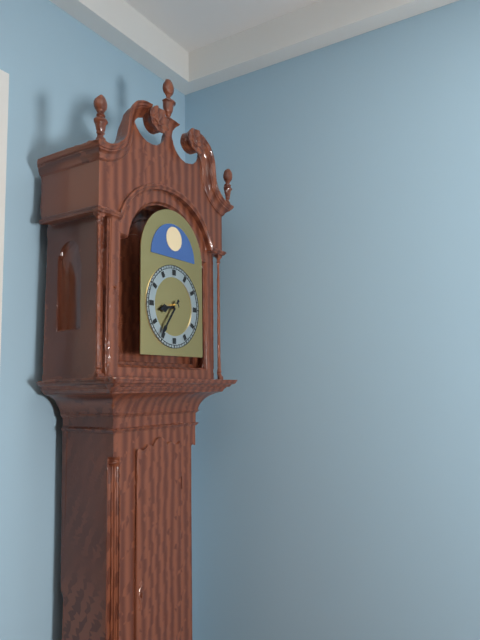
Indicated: 8 h 36 min
